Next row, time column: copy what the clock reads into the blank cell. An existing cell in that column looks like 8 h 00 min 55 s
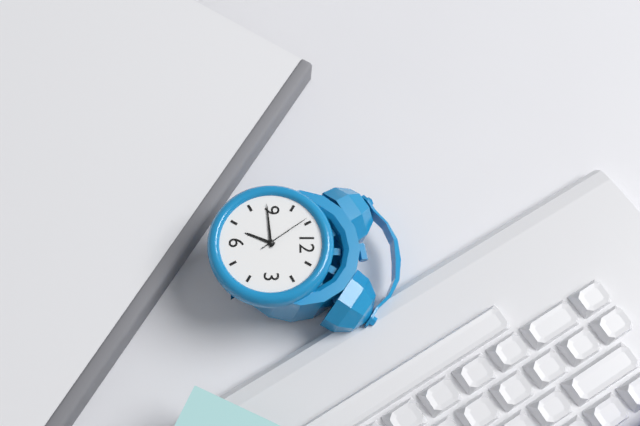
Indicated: 6 h 44 min 54 s
